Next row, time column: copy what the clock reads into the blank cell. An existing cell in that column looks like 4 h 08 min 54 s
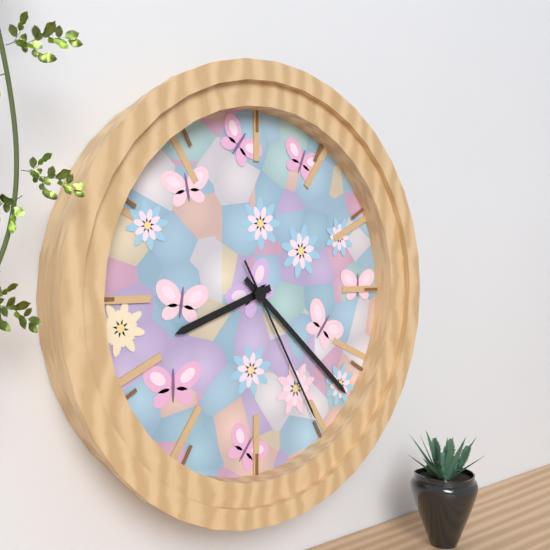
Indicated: 8 h 22 min 25 s
